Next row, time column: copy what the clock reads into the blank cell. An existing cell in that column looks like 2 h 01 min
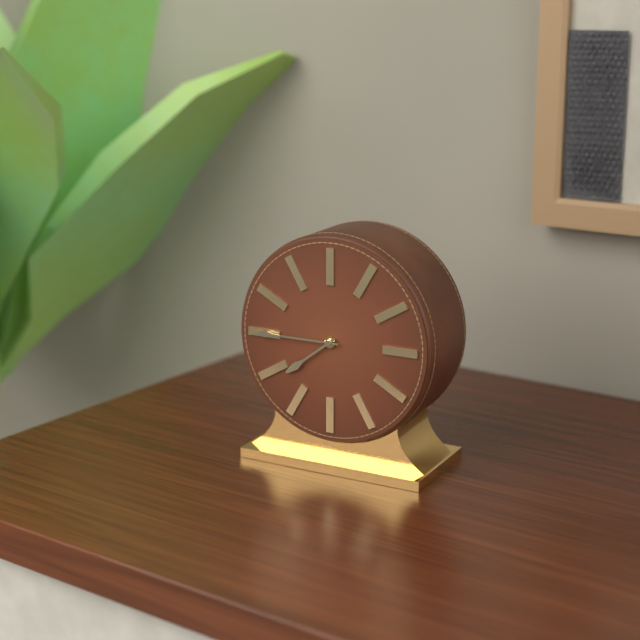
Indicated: 7 h 45 min
